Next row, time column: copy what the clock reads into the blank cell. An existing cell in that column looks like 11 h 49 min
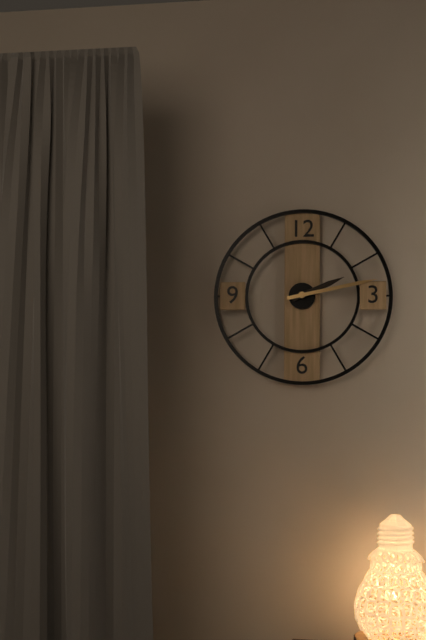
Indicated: 2 h 13 min
